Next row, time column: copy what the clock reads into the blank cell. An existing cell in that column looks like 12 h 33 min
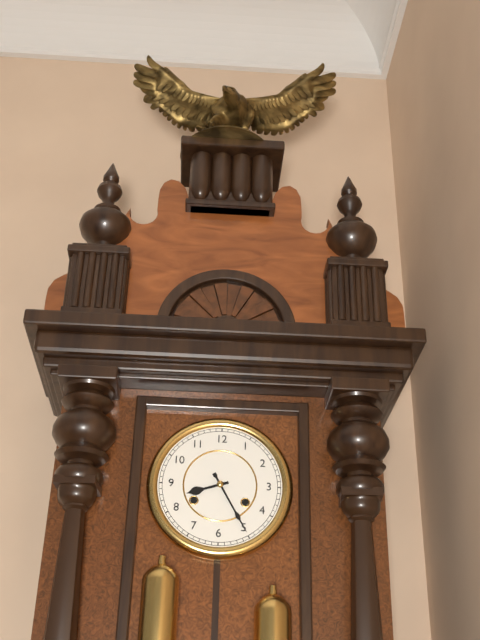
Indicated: 8 h 25 min
